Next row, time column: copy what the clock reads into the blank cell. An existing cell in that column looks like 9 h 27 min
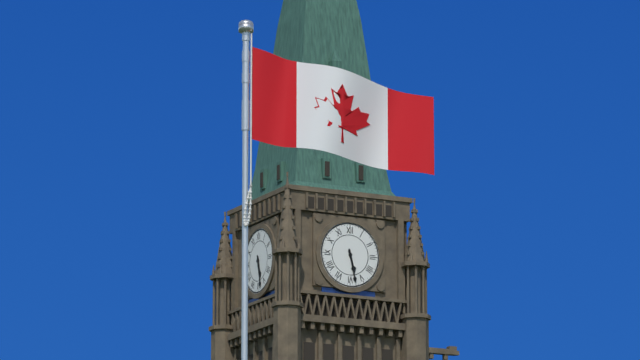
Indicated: 5 h 28 min
